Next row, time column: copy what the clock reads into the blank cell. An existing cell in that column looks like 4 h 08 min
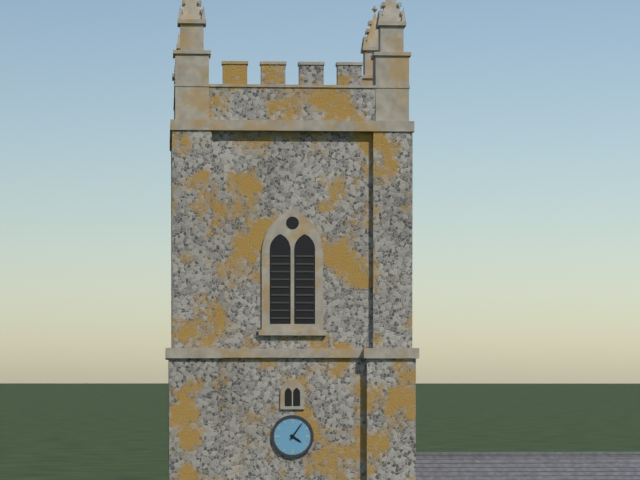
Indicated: 4 h 06 min
